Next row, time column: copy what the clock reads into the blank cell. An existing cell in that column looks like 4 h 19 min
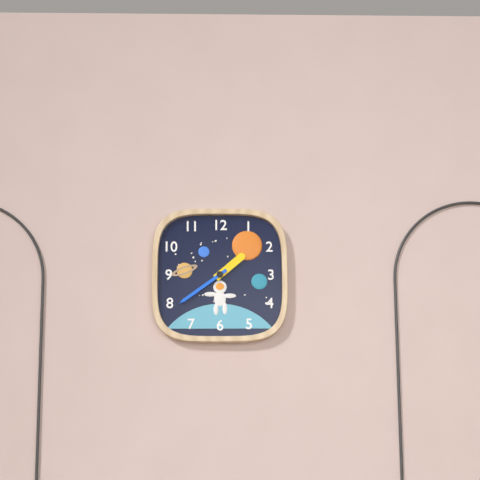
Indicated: 1 h 39 min
